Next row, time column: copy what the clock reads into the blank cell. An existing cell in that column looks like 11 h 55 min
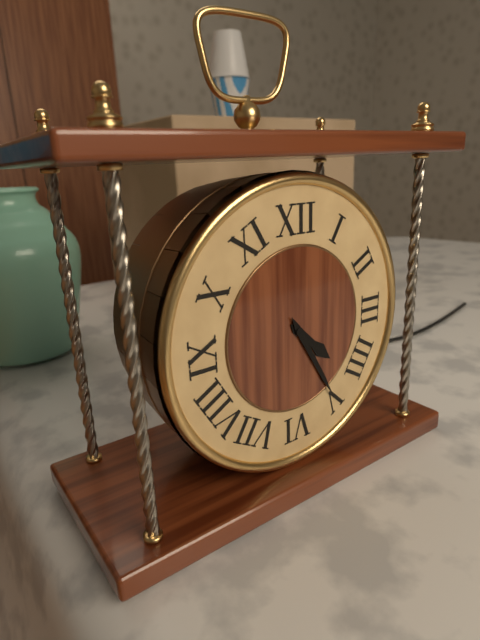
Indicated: 4 h 25 min
